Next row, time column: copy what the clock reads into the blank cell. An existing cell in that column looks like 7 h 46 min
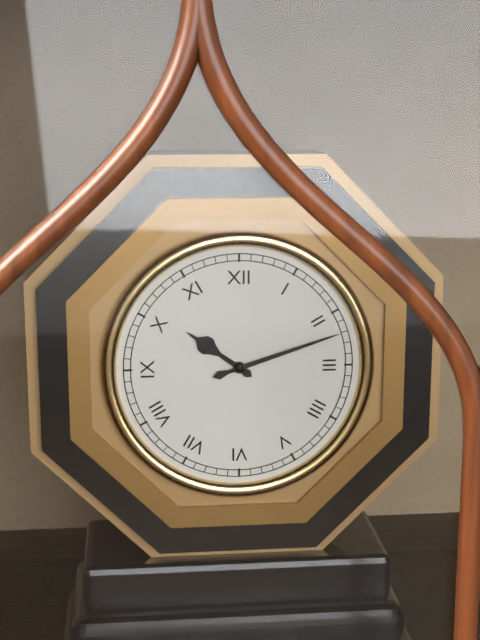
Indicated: 10 h 12 min
